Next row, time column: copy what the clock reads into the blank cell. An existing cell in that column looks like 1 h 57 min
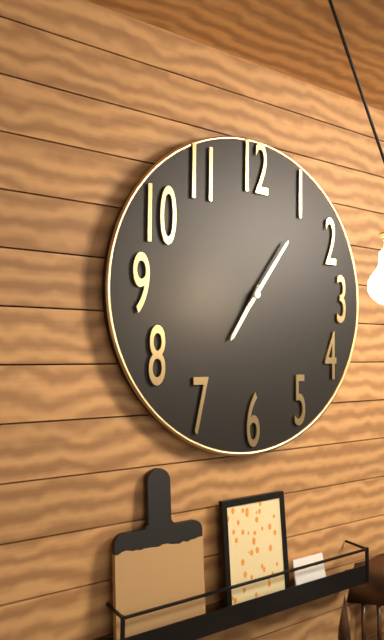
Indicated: 7 h 06 min
